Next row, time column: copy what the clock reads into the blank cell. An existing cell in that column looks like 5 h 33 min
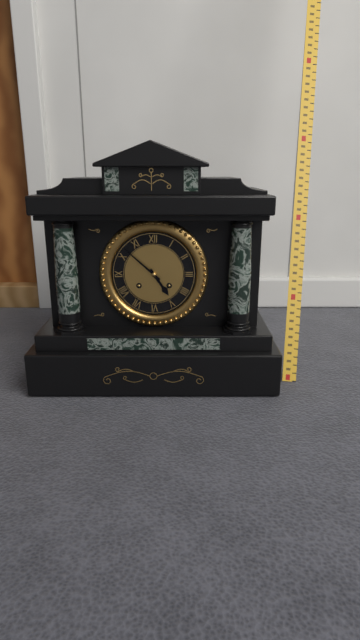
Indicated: 4 h 52 min
